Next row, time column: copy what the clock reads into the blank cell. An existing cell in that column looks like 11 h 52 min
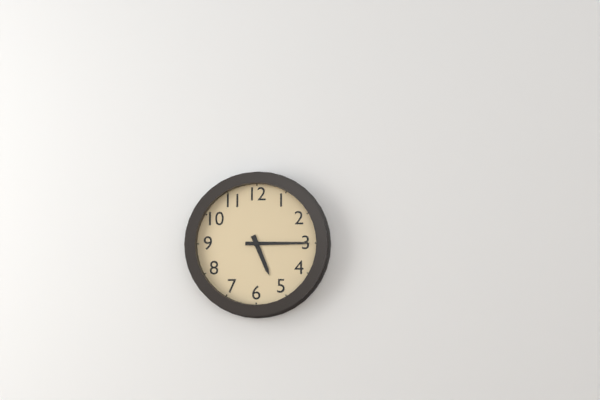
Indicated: 5 h 15 min
